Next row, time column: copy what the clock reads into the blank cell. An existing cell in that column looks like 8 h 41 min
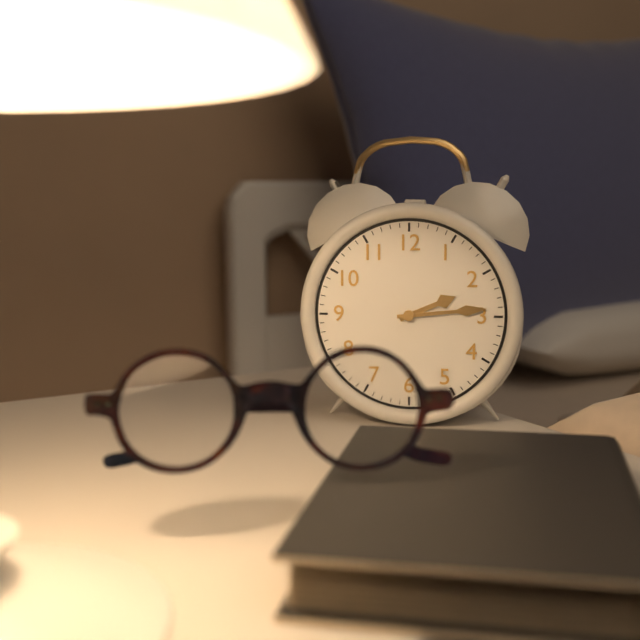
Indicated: 2 h 14 min
